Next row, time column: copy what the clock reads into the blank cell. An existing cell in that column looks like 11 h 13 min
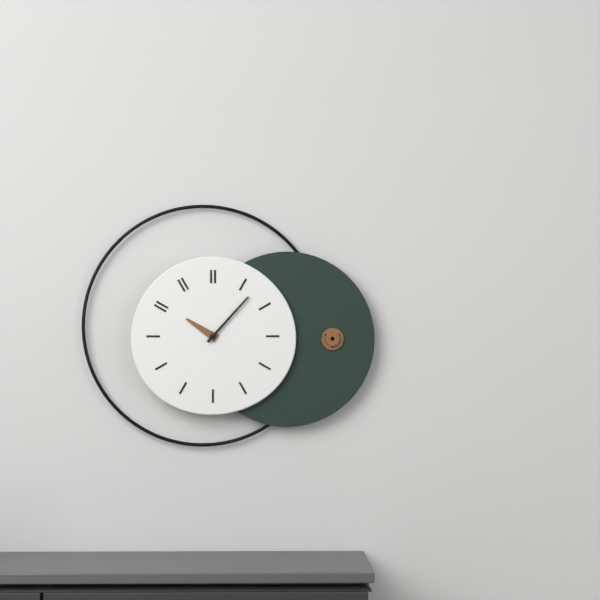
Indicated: 10 h 07 min
